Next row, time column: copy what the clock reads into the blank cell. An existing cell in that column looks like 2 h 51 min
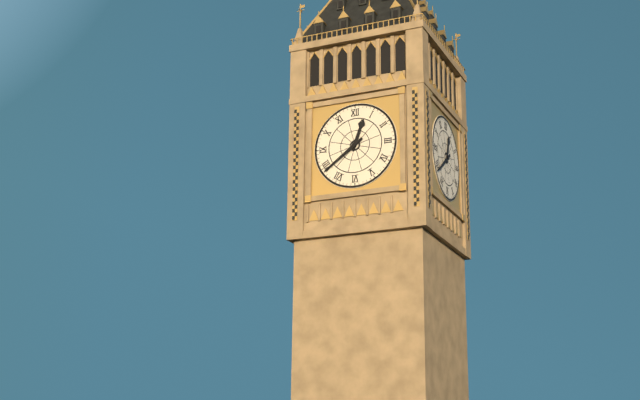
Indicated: 12 h 39 min
